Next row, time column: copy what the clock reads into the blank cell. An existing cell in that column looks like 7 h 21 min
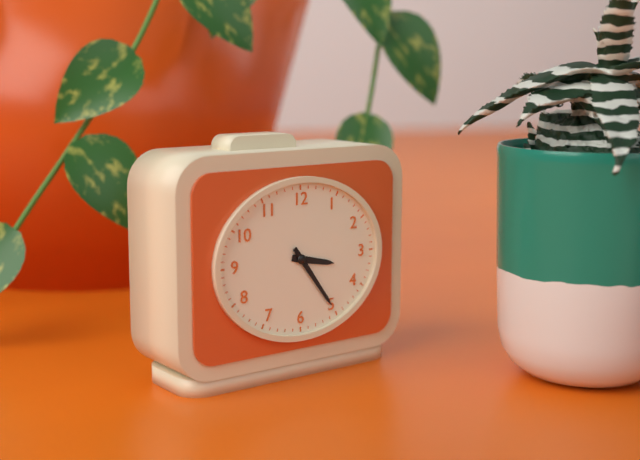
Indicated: 3 h 24 min
